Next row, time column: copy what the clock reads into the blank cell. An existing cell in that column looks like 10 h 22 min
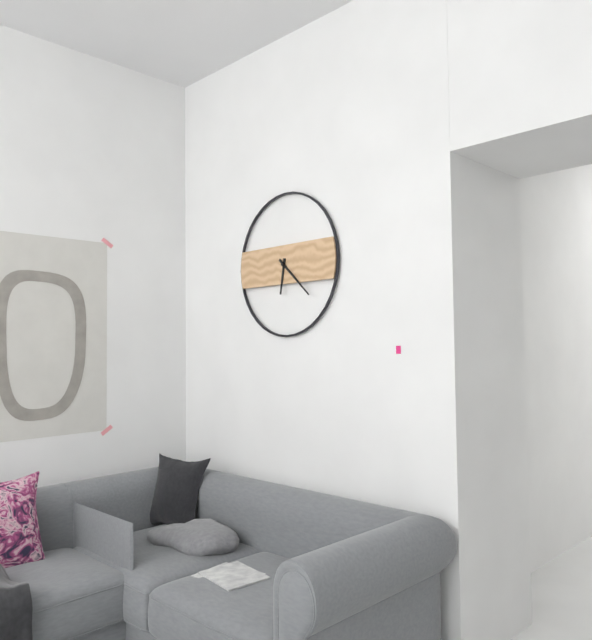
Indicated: 6 h 22 min
